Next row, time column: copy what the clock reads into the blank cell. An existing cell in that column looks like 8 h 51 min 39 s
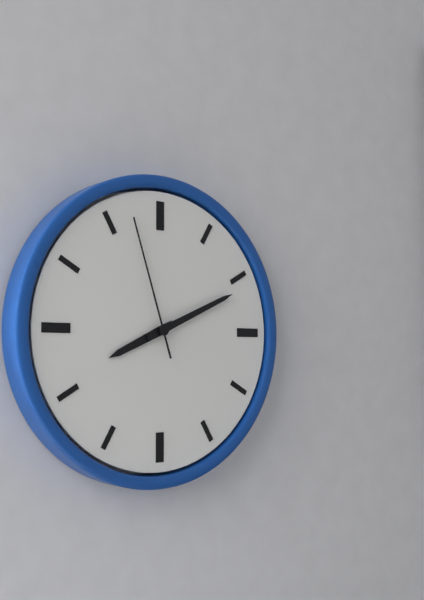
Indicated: 8 h 11 min 57 s
